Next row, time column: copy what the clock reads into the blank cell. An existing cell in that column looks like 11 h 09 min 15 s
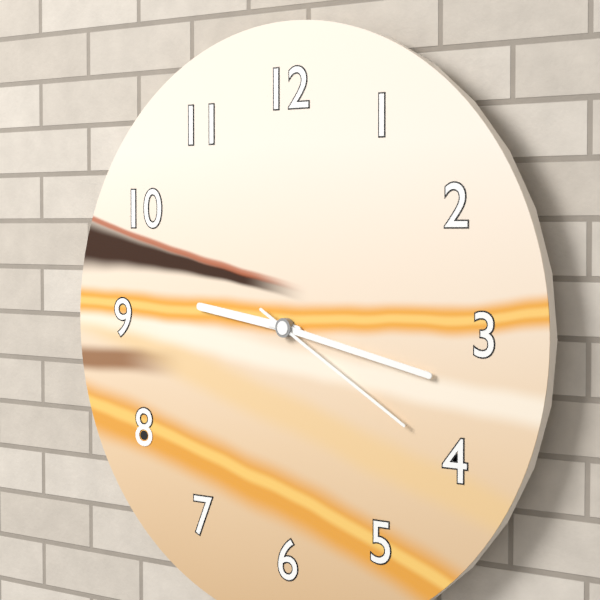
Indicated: 9 h 17 min 20 s
